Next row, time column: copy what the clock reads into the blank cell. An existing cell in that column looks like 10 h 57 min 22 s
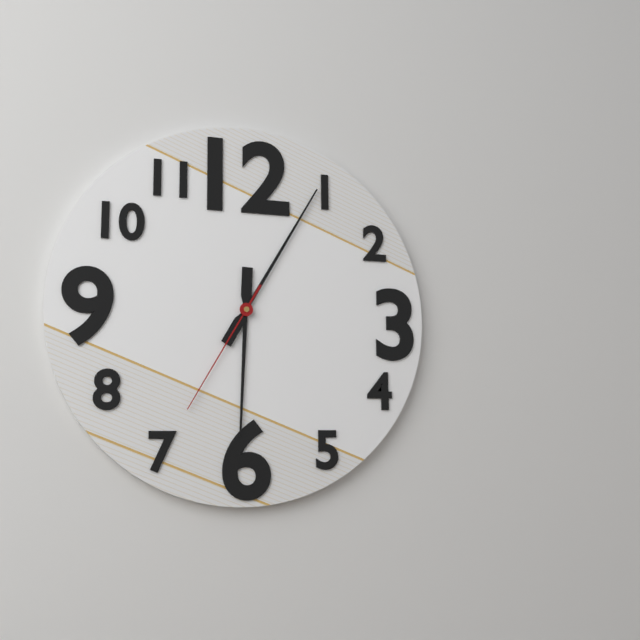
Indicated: 6 h 05 min 35 s
